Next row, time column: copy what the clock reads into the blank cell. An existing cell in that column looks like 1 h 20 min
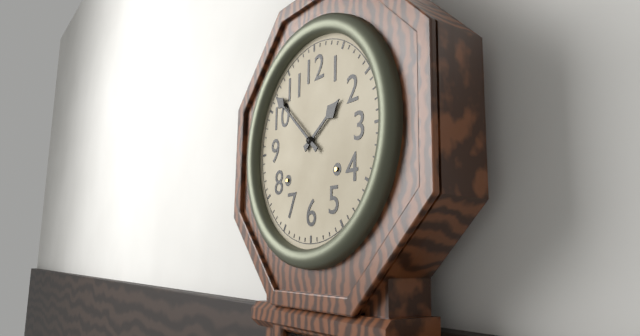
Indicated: 1 h 52 min
